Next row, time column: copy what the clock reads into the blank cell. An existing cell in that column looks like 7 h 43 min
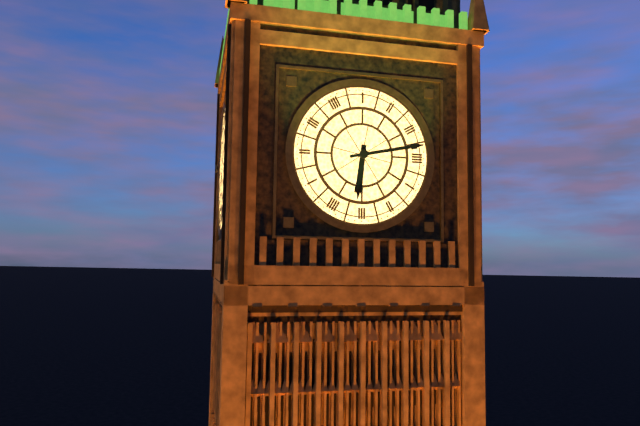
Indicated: 6 h 13 min
